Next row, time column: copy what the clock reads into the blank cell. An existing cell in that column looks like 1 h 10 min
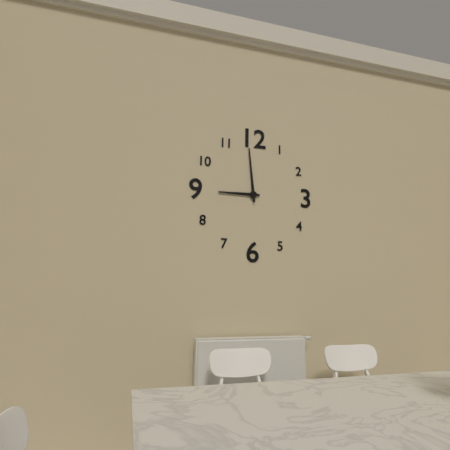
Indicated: 8 h 59 min
